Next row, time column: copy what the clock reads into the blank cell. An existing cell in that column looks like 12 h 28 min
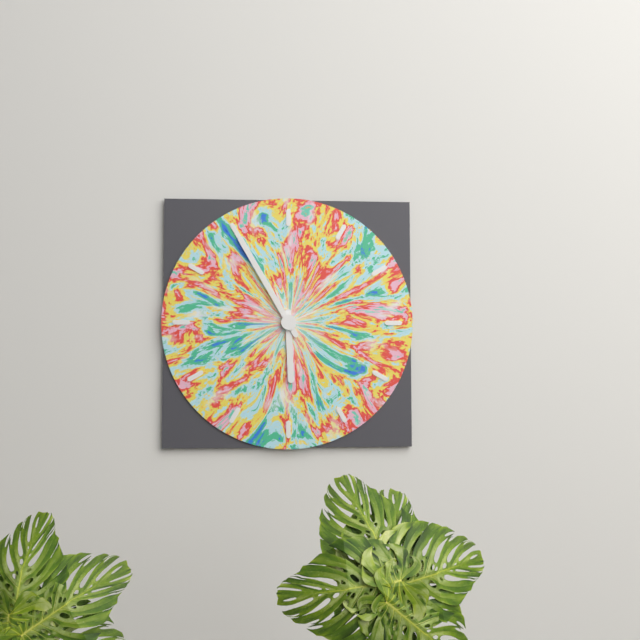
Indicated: 5 h 55 min
